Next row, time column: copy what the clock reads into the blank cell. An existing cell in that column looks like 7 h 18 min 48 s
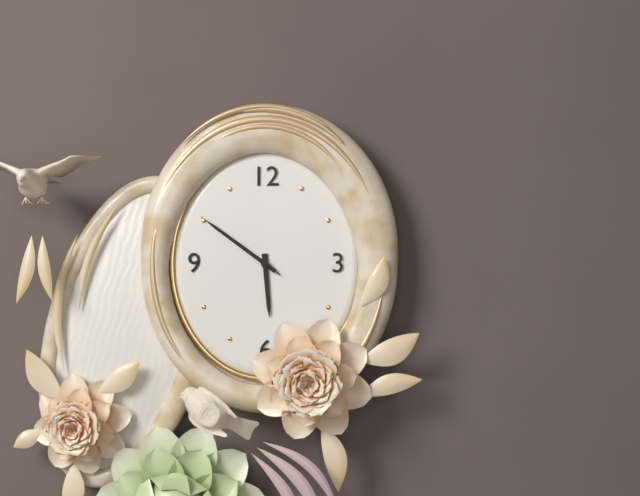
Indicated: 5 h 51 min 51 s
